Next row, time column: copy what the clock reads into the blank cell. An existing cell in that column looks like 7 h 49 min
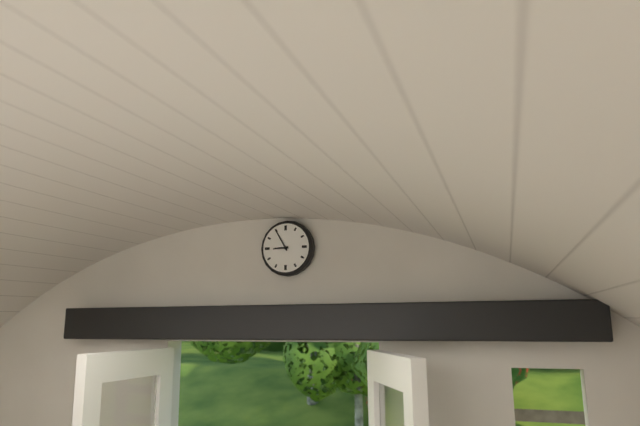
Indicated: 8 h 55 min
